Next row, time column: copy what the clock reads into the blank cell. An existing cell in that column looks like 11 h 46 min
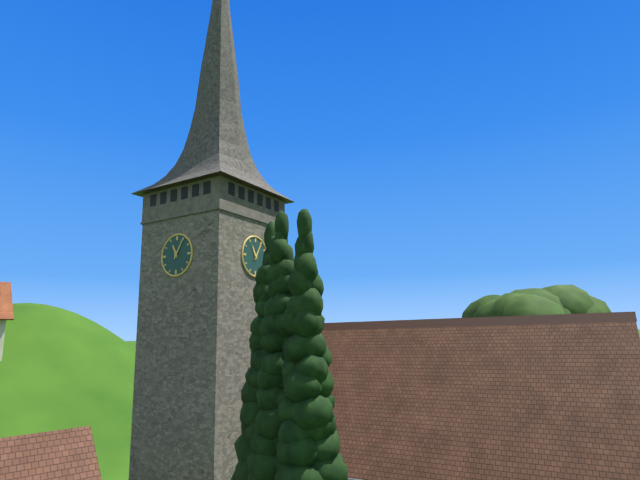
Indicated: 11 h 05 min
